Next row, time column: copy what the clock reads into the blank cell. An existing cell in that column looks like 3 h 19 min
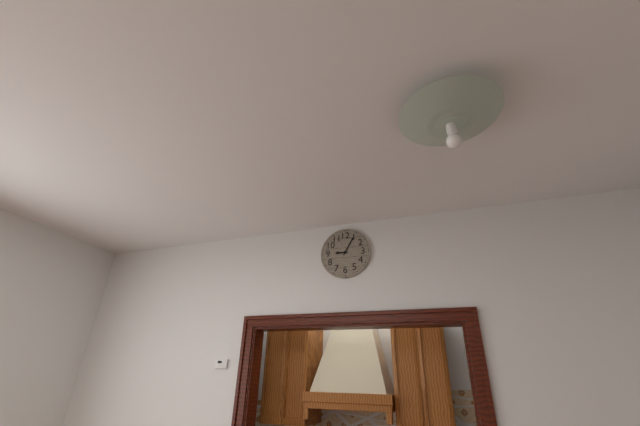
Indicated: 9 h 05 min
